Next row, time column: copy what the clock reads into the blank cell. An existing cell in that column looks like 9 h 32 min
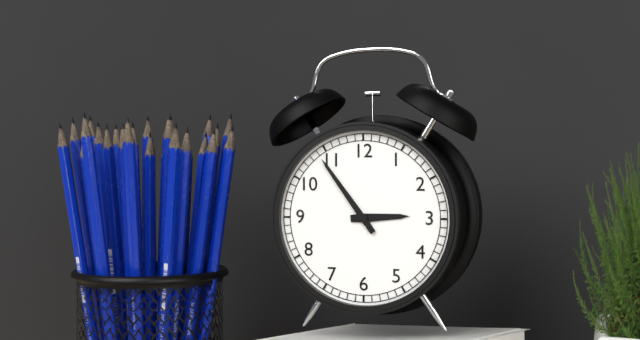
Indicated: 2 h 54 min
